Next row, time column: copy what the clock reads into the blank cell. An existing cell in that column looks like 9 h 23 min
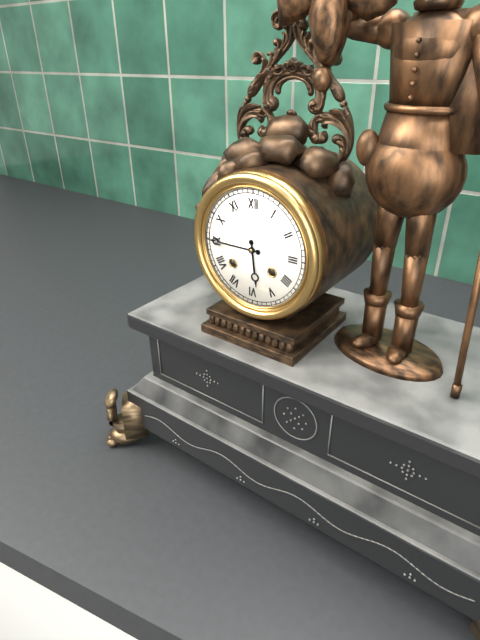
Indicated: 5 h 45 min
